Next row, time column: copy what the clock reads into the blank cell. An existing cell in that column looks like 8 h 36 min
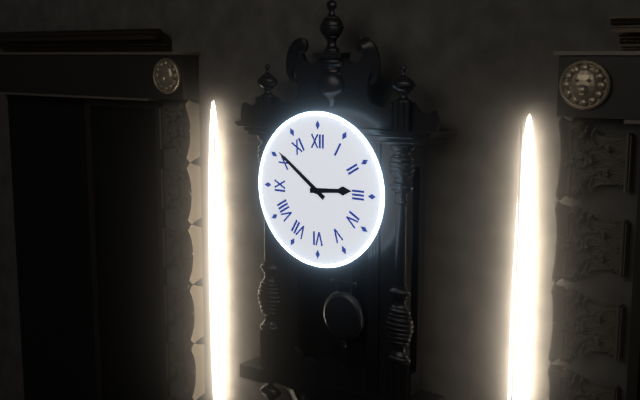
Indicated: 2 h 51 min
